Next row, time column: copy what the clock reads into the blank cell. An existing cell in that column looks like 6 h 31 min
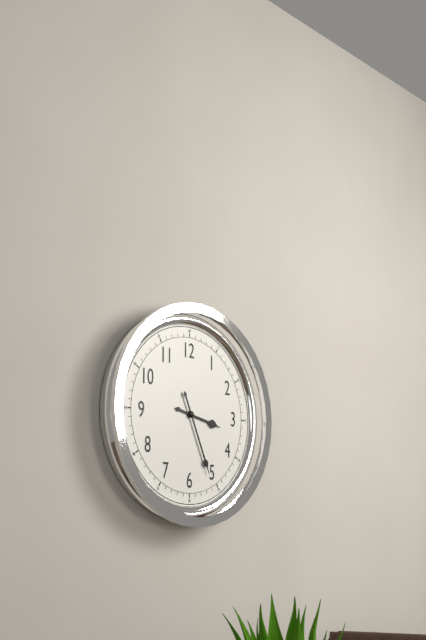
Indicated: 3 h 26 min
